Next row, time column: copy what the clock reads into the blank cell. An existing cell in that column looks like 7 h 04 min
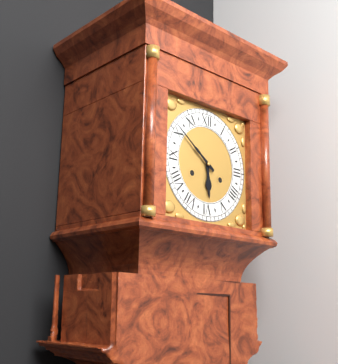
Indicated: 5 h 51 min
